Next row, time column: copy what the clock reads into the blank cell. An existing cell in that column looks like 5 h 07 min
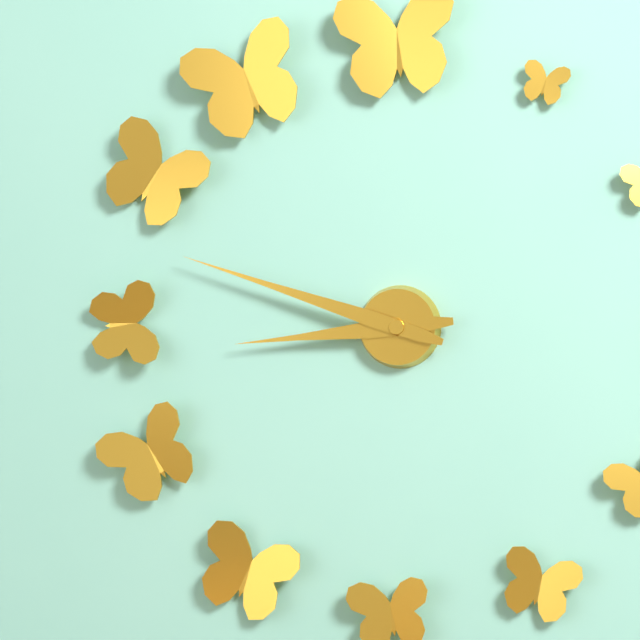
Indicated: 8 h 48 min
